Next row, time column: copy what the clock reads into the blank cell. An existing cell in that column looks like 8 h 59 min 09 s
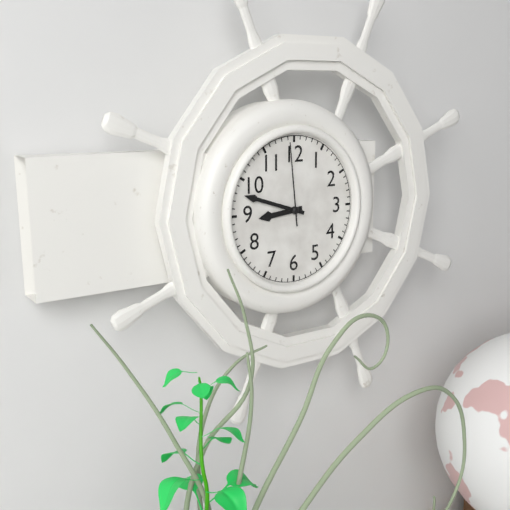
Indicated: 8 h 48 min 59 s
